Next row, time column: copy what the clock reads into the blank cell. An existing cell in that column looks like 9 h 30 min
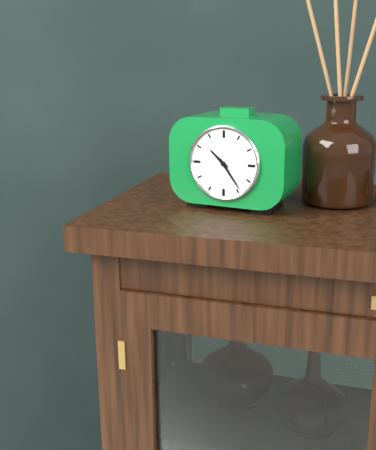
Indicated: 10 h 24 min
